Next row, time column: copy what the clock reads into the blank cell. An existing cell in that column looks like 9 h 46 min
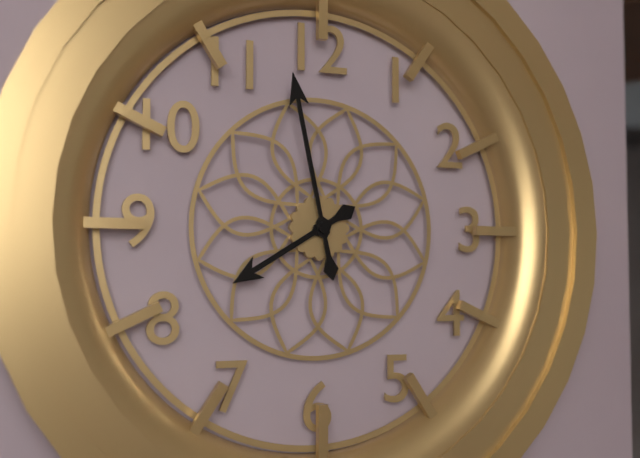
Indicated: 7 h 58 min
